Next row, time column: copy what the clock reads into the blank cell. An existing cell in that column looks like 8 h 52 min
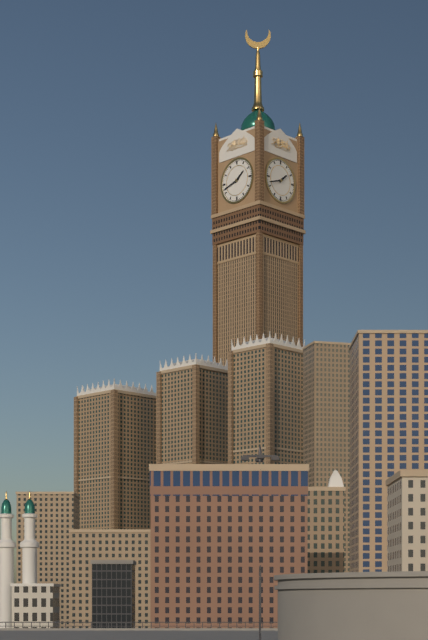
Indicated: 1 h 42 min
